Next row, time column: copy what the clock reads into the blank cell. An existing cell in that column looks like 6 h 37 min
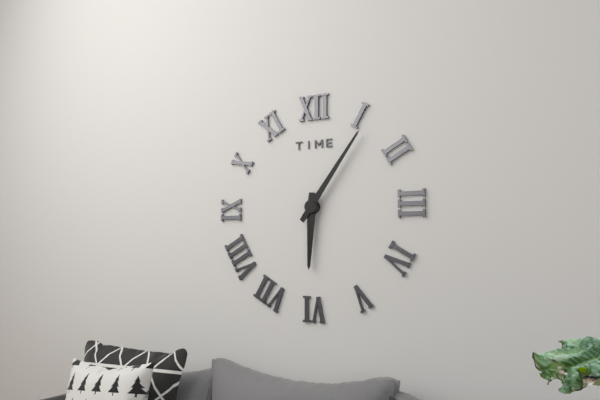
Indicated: 6 h 06 min
